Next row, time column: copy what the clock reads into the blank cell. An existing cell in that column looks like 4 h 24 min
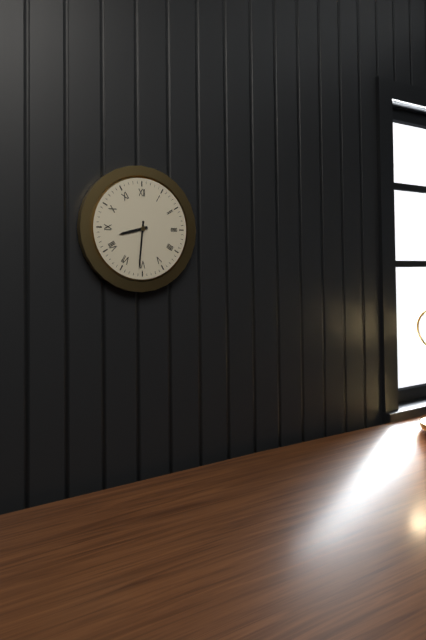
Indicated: 8 h 31 min
